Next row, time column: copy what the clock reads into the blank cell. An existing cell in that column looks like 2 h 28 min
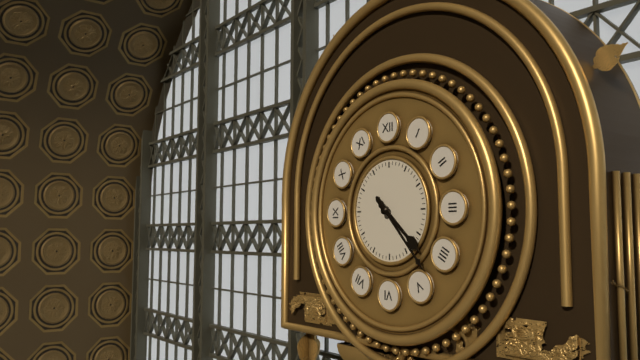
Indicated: 4 h 23 min
